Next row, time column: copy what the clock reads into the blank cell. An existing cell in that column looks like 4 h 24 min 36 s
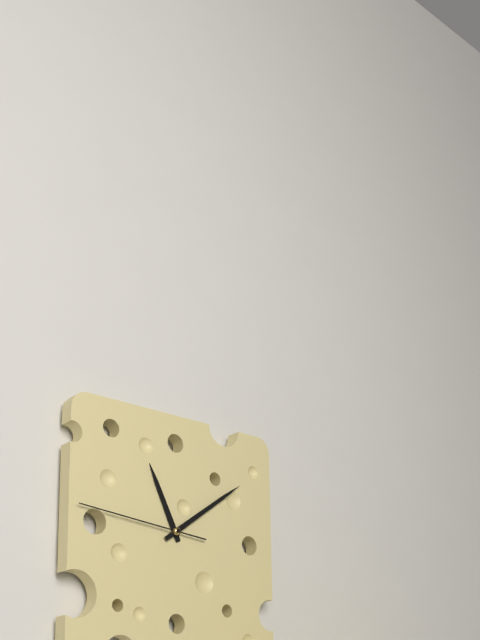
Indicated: 11 h 09 min 46 s
